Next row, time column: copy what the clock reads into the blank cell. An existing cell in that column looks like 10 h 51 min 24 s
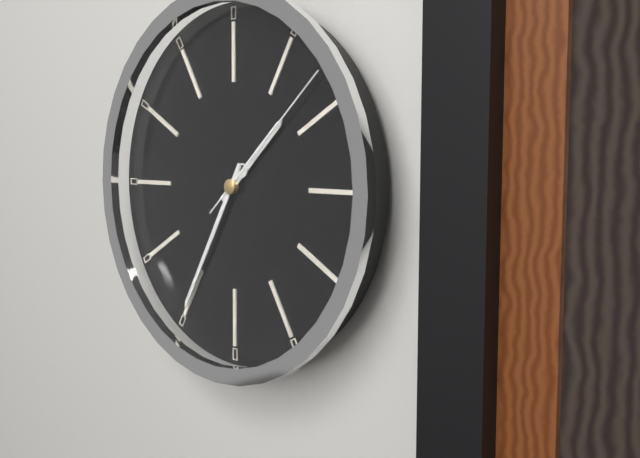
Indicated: 1 h 35 min 08 s
